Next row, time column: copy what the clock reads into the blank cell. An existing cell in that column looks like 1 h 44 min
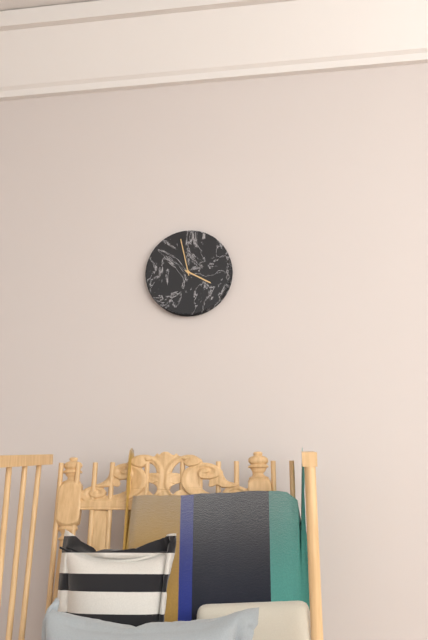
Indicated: 3 h 58 min
